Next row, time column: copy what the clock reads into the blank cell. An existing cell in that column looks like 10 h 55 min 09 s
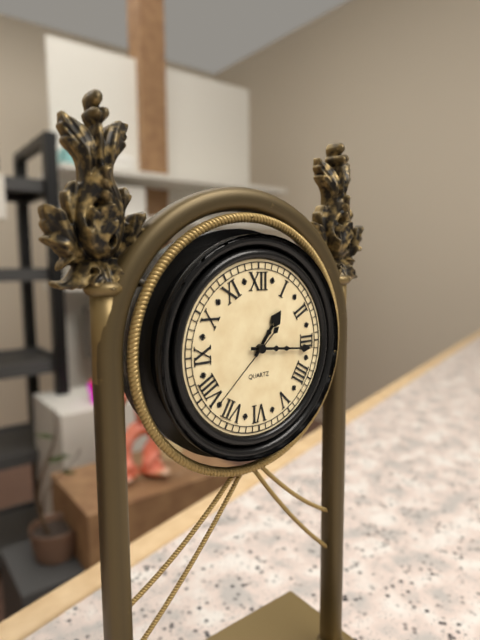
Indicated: 1 h 16 min 38 s
